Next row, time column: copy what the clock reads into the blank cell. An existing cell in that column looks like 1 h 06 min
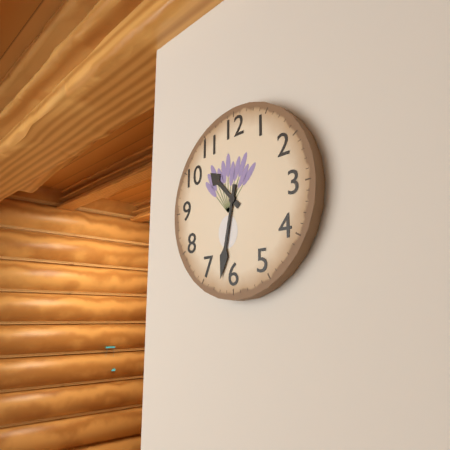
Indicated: 10 h 32 min
